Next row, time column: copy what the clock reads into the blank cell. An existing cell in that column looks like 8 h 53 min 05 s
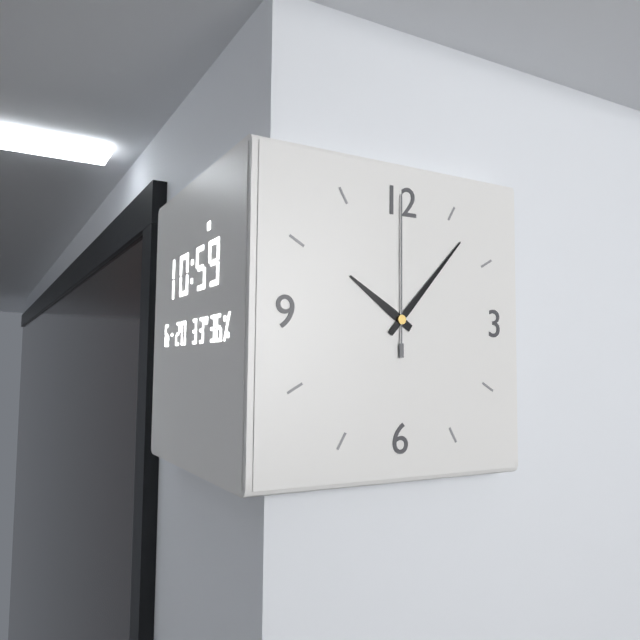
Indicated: 10 h 07 min 00 s
